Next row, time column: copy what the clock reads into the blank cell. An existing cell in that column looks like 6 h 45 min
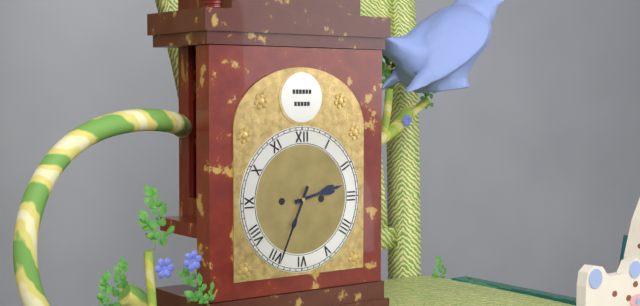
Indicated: 2 h 34 min
